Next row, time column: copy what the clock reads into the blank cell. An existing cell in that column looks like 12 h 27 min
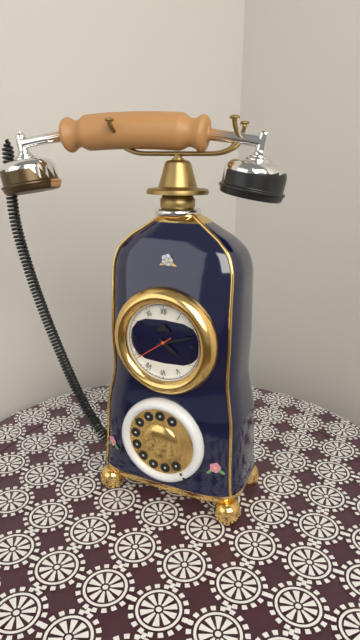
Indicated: 4 h 12 min
